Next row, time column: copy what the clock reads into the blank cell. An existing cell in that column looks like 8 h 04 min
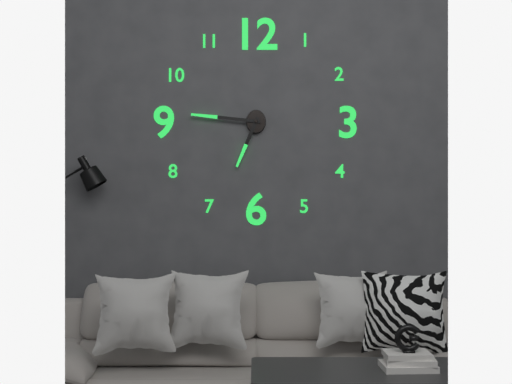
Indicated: 6 h 46 min
